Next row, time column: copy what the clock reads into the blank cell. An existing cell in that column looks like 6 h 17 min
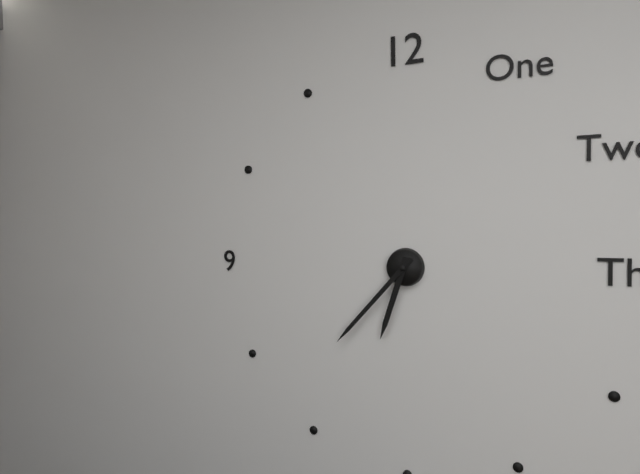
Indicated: 6 h 37 min
